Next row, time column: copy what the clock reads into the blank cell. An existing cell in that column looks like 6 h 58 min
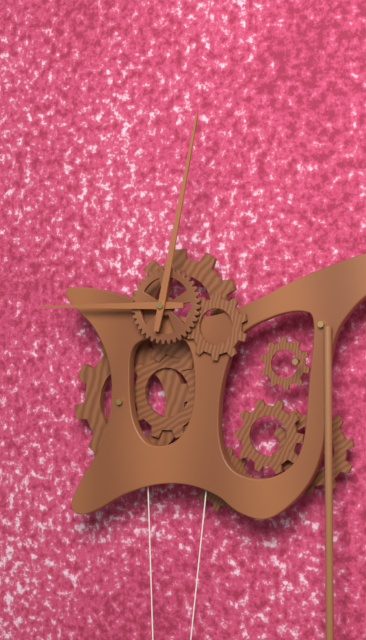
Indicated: 9 h 02 min
